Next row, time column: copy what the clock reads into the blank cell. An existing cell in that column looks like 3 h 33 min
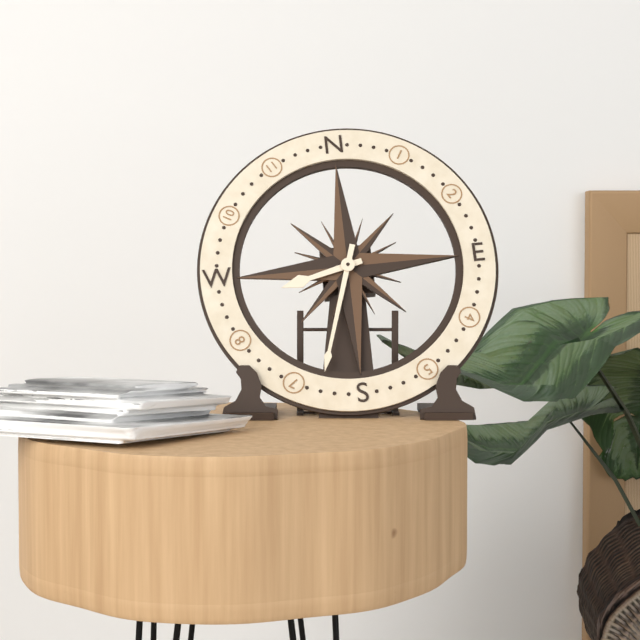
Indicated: 8 h 33 min
